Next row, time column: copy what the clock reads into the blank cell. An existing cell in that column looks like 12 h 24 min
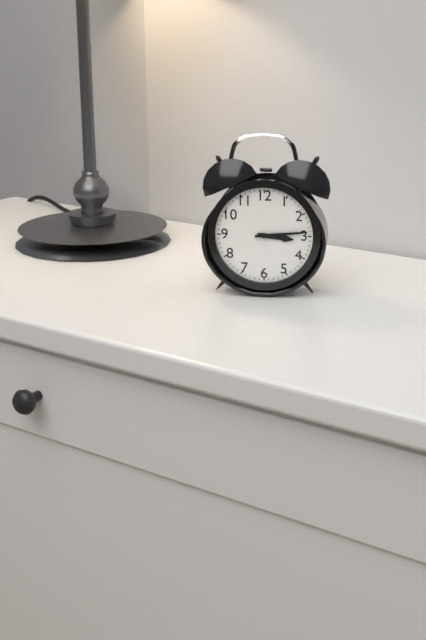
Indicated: 3 h 14 min
